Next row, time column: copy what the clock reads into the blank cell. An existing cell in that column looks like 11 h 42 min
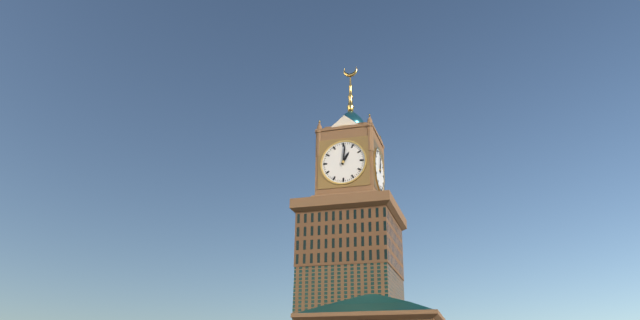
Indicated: 1 h 01 min
